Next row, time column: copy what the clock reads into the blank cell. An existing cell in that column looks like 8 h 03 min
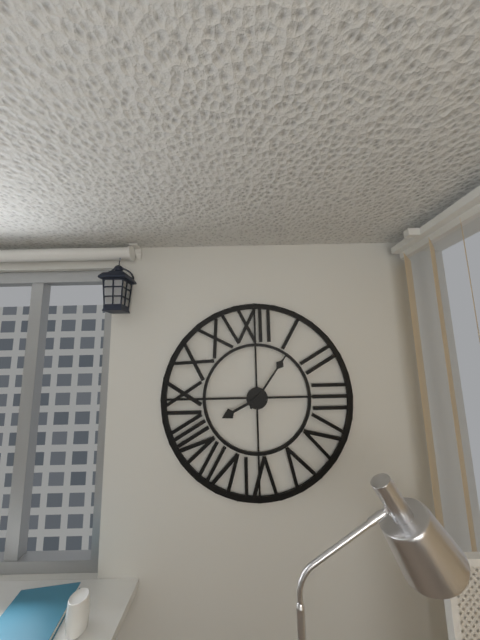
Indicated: 8 h 06 min
